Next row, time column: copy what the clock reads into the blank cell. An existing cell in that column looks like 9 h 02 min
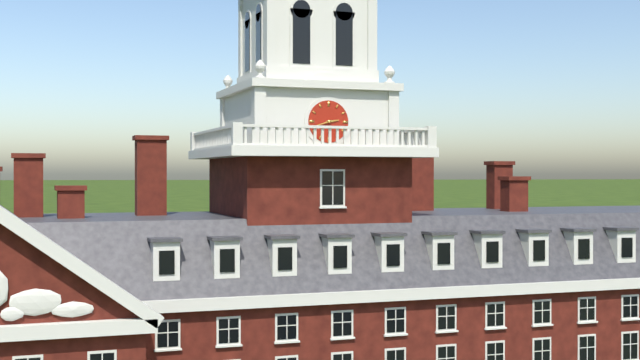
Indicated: 2 h 42 min
